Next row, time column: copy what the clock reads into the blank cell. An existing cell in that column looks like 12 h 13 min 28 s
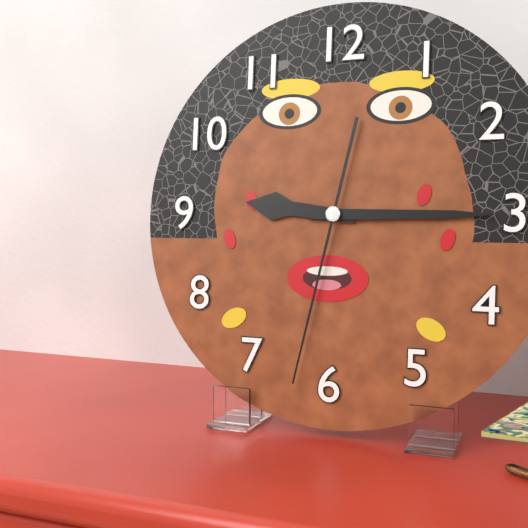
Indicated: 9 h 15 min 32 s
